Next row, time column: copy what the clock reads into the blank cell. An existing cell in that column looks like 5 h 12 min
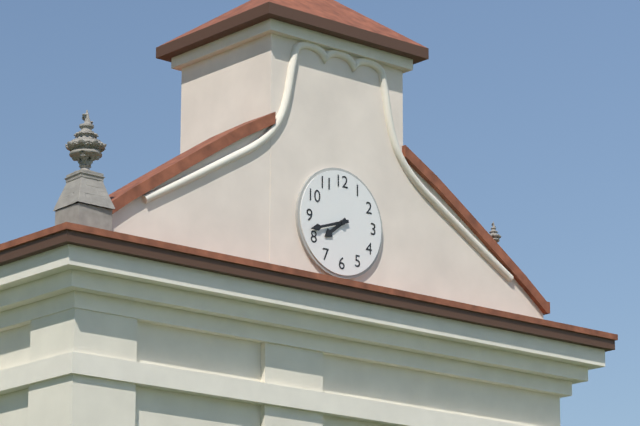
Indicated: 7 h 42 min
